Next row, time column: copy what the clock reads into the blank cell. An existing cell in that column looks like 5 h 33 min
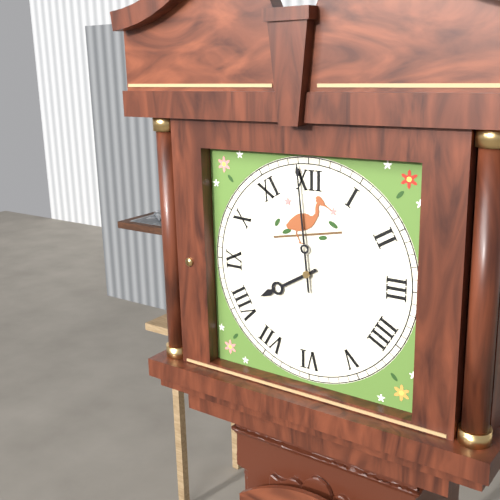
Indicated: 7 h 59 min
